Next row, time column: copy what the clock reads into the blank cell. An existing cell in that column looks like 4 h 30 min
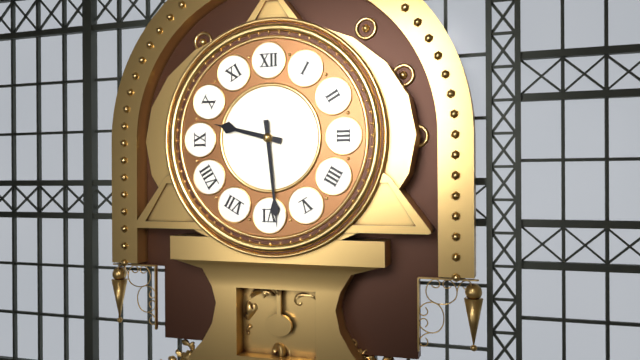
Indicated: 9 h 29 min
